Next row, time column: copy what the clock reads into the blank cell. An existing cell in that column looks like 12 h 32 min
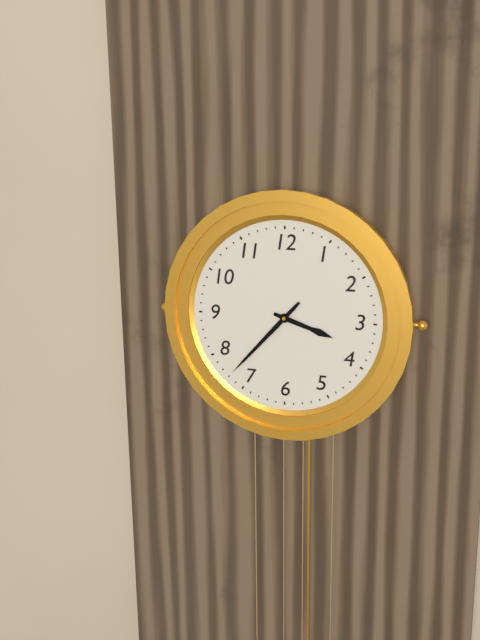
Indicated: 3 h 37 min
